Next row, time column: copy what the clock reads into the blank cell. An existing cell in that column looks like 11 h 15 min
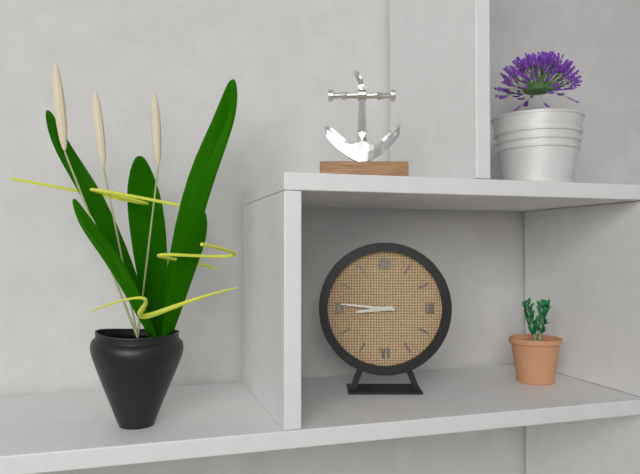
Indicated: 8 h 46 min
